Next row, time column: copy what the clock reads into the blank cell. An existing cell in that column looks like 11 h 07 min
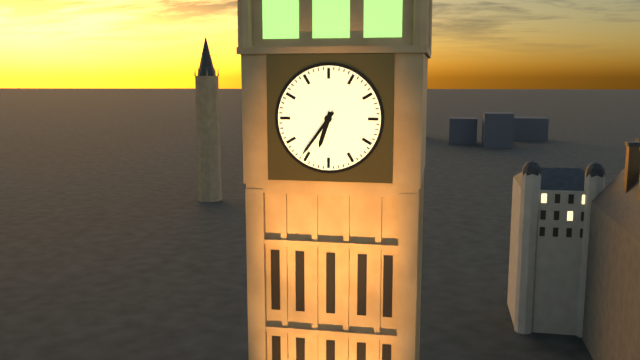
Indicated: 6 h 36 min
